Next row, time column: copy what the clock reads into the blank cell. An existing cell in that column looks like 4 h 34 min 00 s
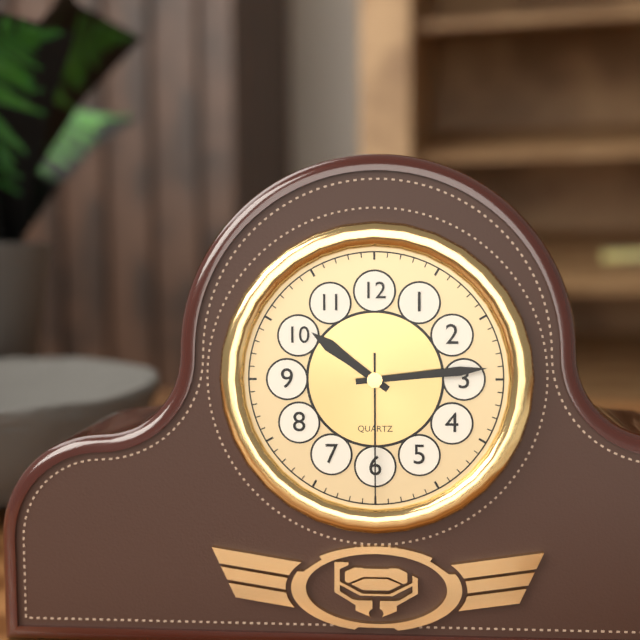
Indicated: 10 h 14 min 30 s
